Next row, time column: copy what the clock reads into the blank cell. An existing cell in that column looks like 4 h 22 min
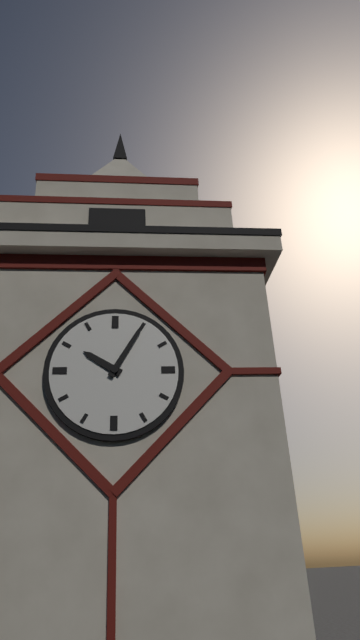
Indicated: 10 h 05 min
